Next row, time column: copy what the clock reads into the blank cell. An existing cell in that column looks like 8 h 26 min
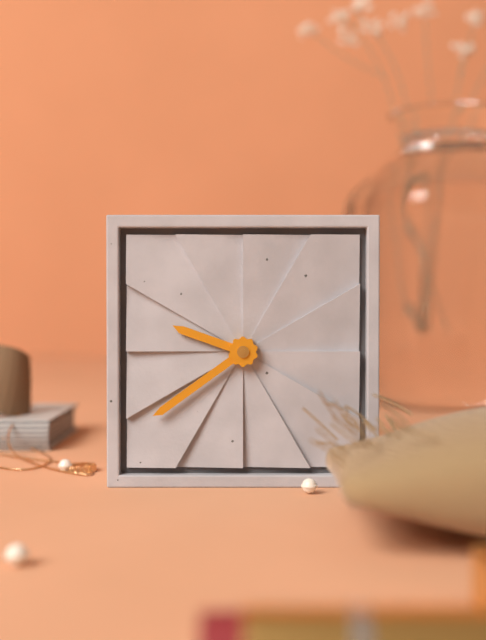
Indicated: 9 h 39 min
